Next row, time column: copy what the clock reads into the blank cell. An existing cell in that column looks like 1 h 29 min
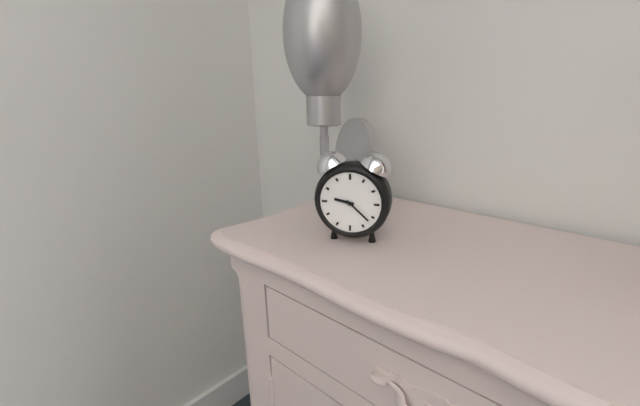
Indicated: 9 h 22 min
